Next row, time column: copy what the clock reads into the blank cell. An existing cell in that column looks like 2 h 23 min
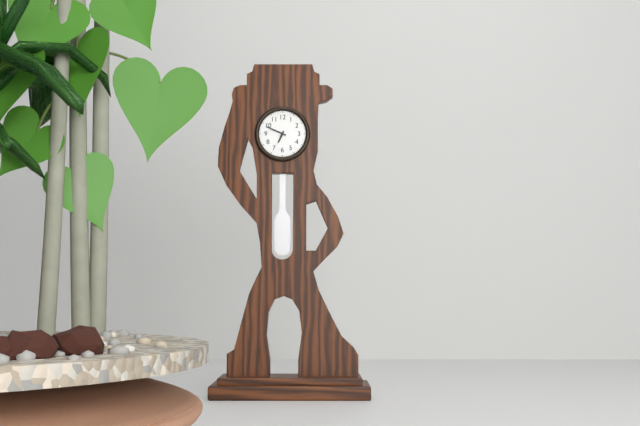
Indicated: 6 h 49 min
